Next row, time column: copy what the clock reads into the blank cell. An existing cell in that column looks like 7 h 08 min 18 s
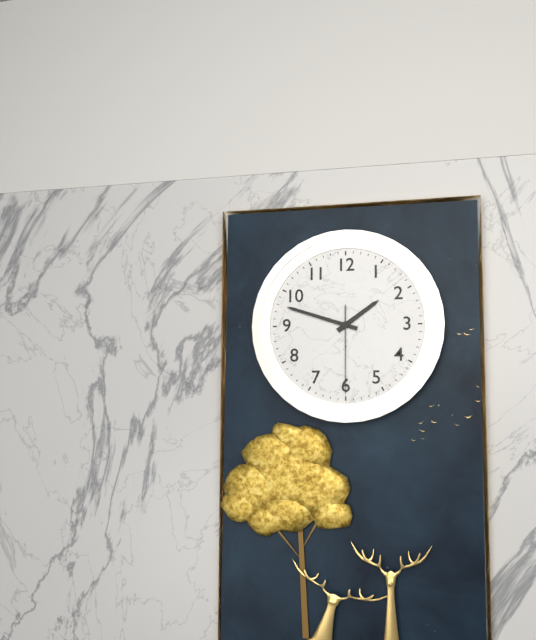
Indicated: 1 h 48 min 30 s
